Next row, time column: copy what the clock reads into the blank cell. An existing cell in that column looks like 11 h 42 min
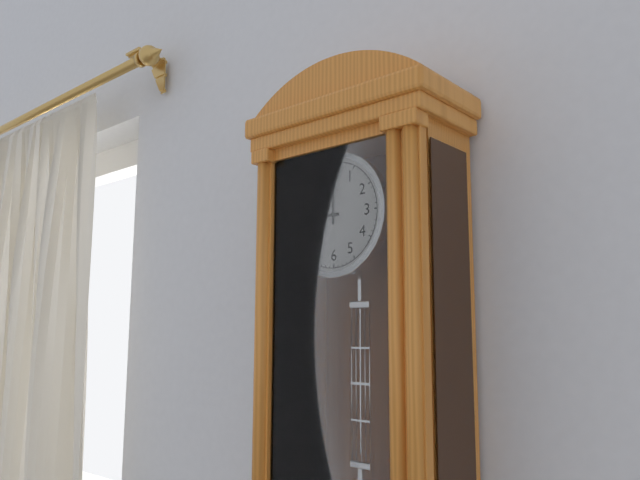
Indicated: 9 h 00 min
